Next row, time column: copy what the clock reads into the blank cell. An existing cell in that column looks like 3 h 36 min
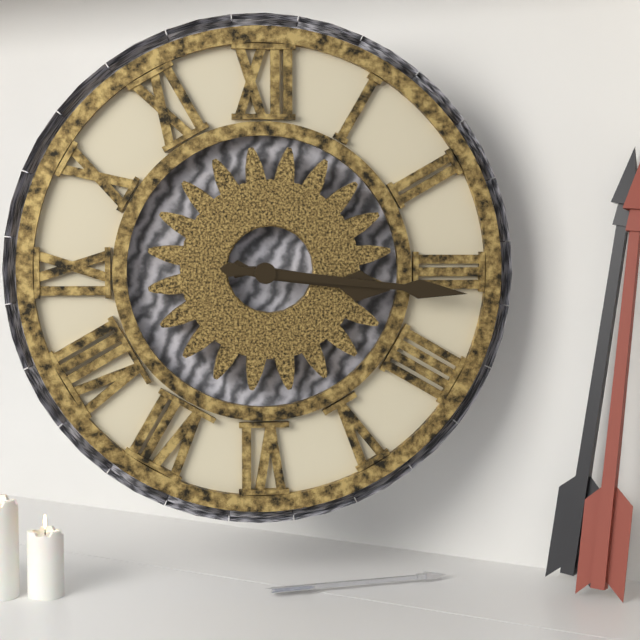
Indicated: 3 h 16 min
